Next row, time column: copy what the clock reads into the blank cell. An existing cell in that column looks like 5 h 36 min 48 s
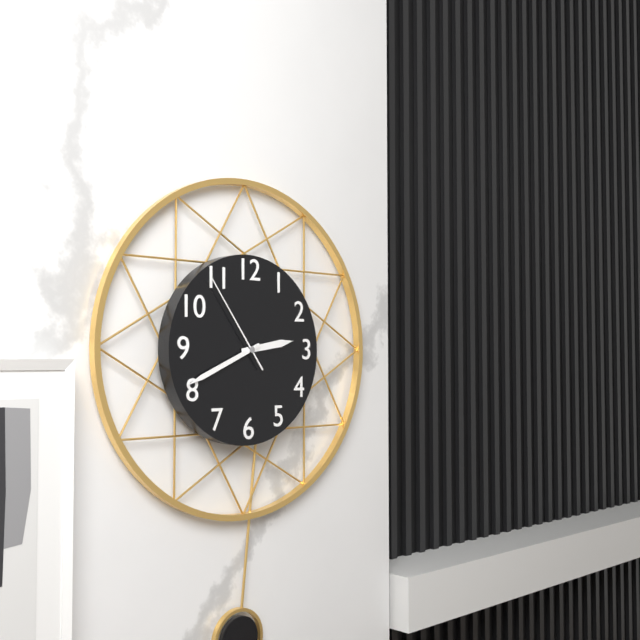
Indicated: 2 h 41 min 54 s
